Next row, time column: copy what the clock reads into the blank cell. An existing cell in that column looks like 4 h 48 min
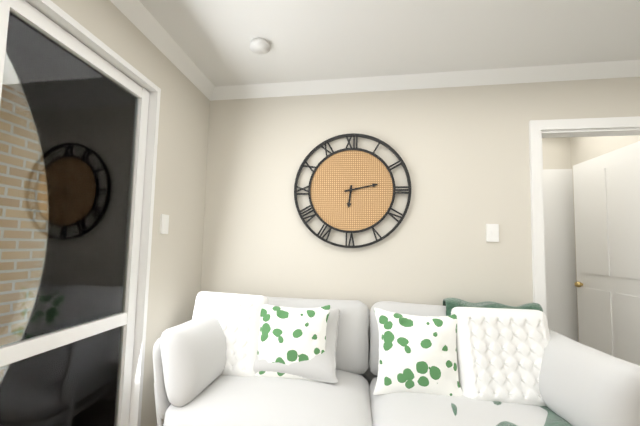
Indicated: 6 h 13 min
